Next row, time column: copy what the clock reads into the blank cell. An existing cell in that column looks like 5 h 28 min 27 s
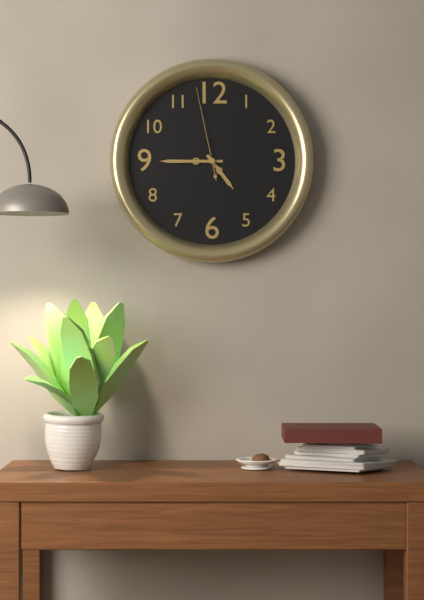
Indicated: 4 h 45 min 58 s
